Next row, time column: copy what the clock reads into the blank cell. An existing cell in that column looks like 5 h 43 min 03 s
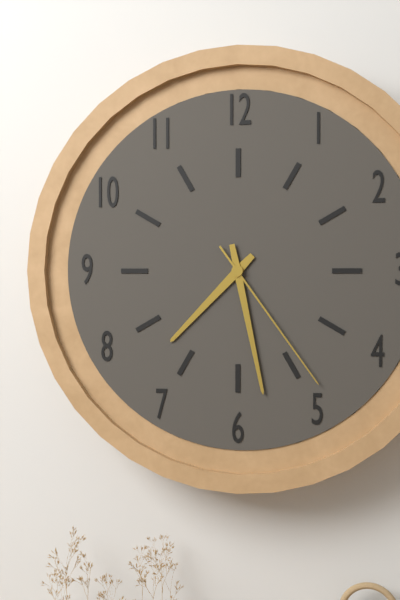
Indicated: 7 h 28 min 24 s
